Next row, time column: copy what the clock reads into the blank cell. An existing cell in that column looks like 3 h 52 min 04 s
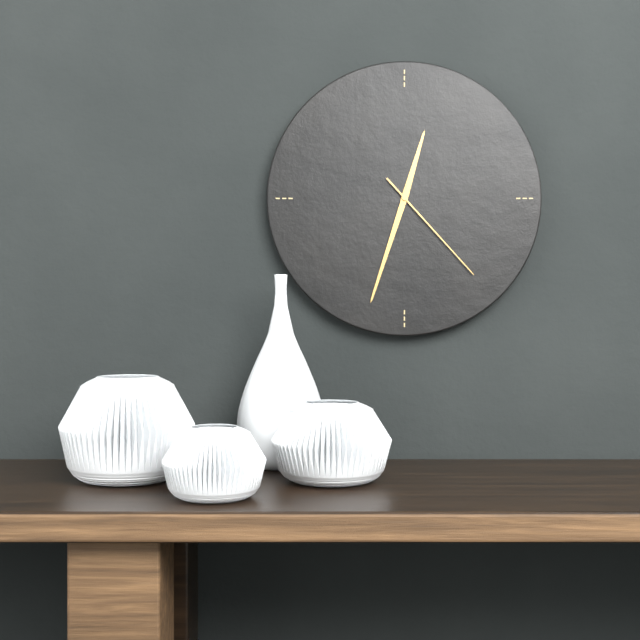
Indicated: 12 h 33 min 23 s
